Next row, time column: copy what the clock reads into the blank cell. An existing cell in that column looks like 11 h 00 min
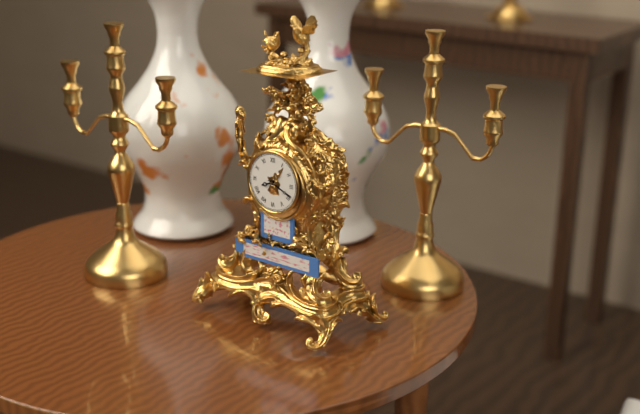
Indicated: 8 h 19 min
